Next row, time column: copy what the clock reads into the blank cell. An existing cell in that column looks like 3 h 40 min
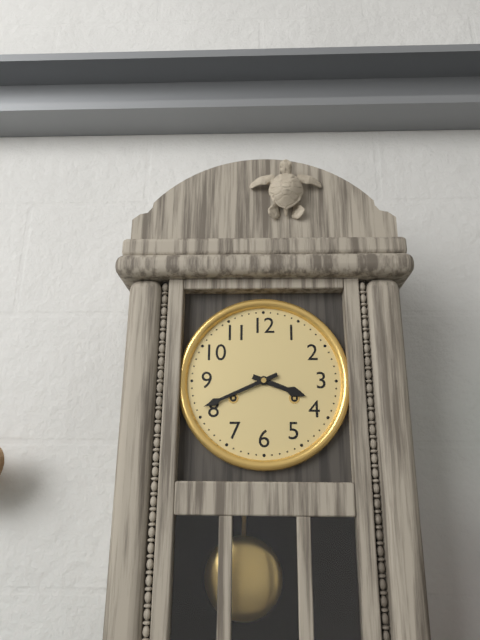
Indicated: 3 h 41 min
